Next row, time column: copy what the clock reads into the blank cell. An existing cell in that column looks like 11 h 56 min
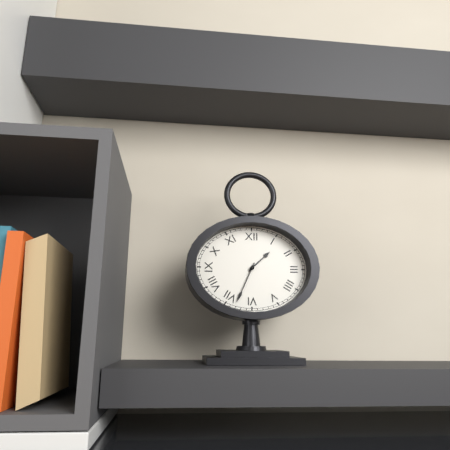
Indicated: 1 h 34 min
